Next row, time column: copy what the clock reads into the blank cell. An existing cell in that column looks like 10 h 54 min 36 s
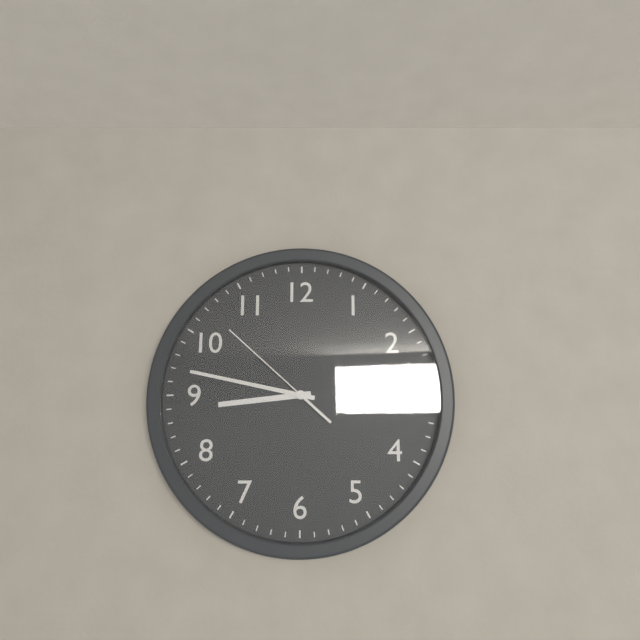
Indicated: 8 h 47 min 52 s
